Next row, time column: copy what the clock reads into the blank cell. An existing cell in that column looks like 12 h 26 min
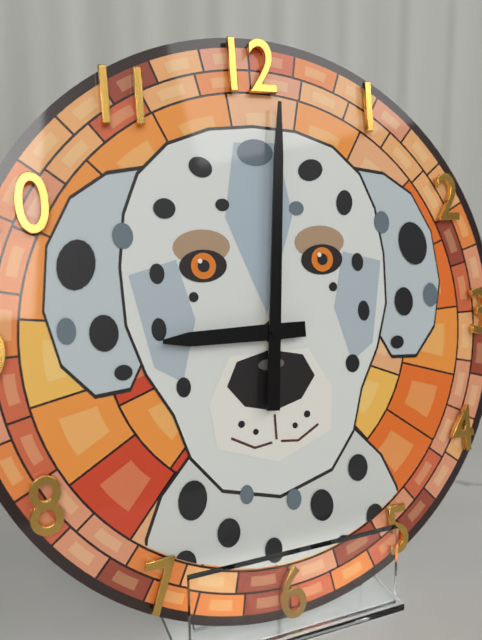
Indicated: 9 h 01 min
